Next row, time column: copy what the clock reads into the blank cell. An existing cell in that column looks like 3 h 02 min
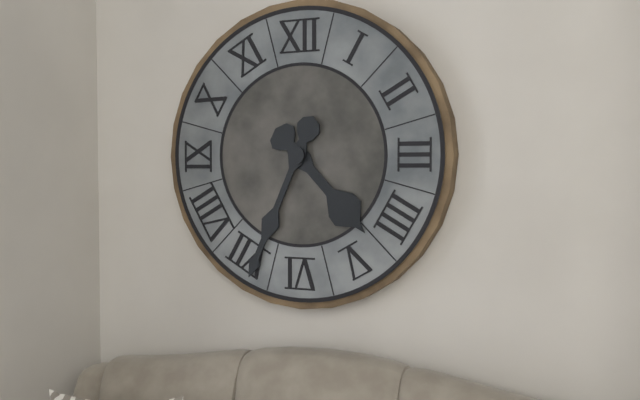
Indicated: 4 h 34 min
